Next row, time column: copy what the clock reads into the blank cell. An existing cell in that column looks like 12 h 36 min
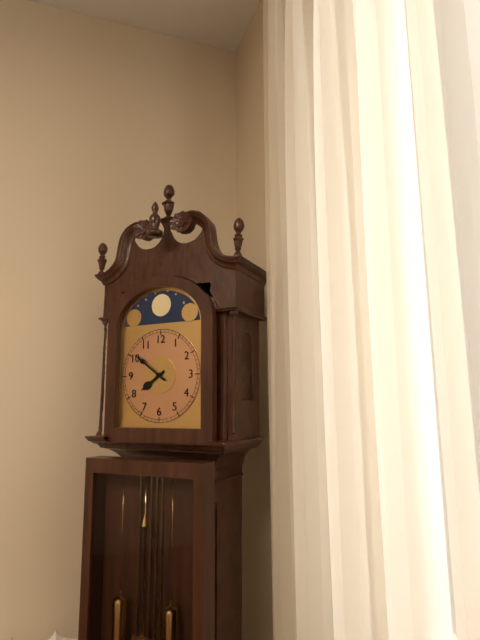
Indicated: 7 h 51 min
